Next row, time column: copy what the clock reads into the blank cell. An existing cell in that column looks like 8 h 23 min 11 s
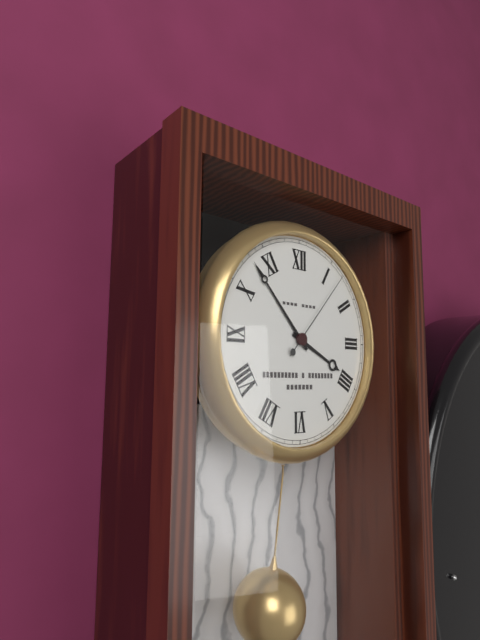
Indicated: 3 h 53 min 07 s
